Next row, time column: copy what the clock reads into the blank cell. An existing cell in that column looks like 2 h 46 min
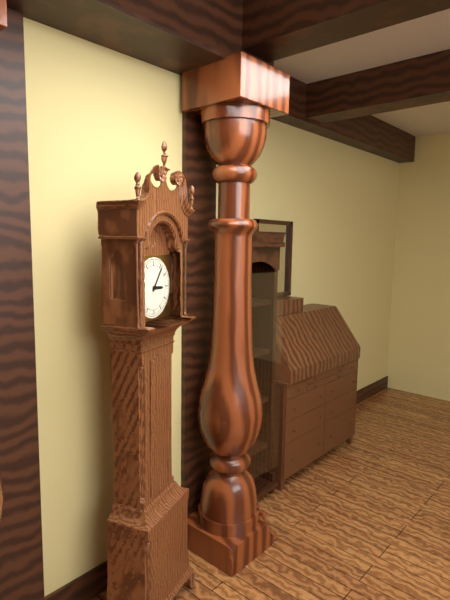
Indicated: 3 h 06 min
